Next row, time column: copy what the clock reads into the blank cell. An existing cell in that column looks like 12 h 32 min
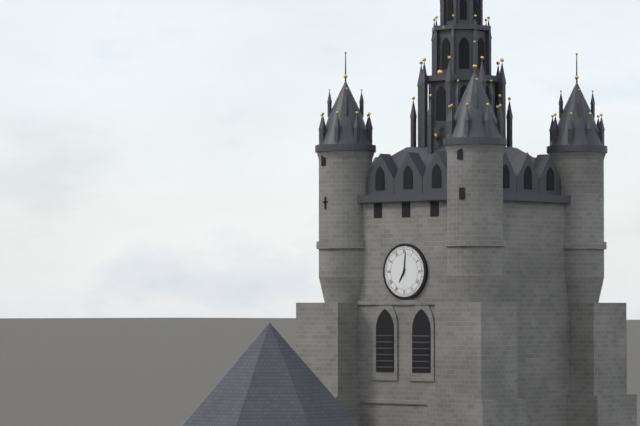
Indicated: 7 h 01 min
